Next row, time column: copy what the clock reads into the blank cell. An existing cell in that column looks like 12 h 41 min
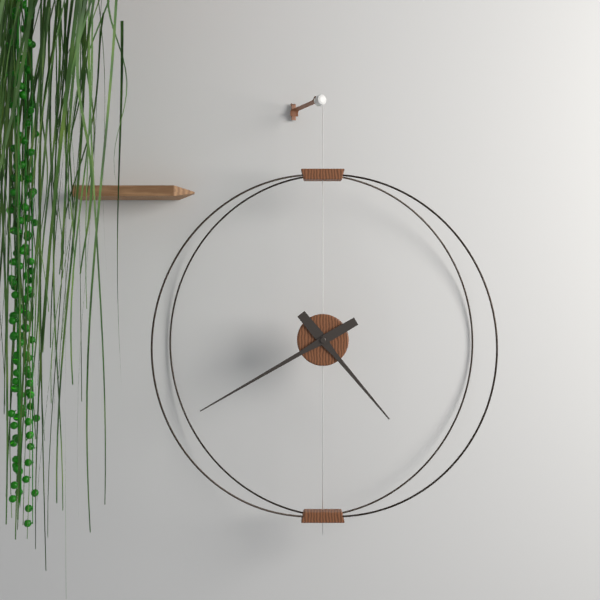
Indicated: 4 h 40 min
